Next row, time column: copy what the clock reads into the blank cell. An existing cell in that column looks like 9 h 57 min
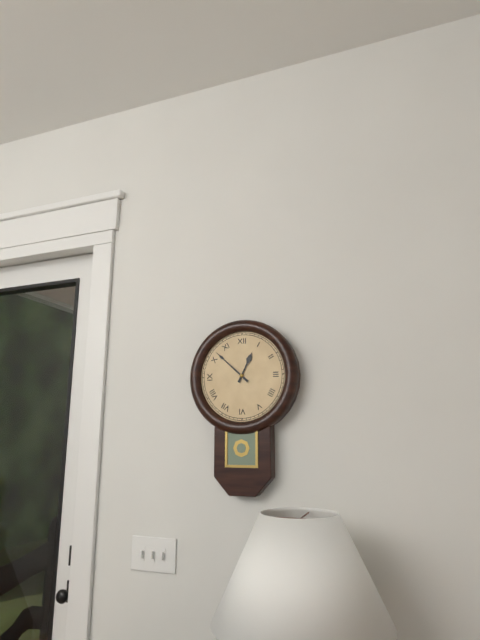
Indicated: 12 h 52 min
